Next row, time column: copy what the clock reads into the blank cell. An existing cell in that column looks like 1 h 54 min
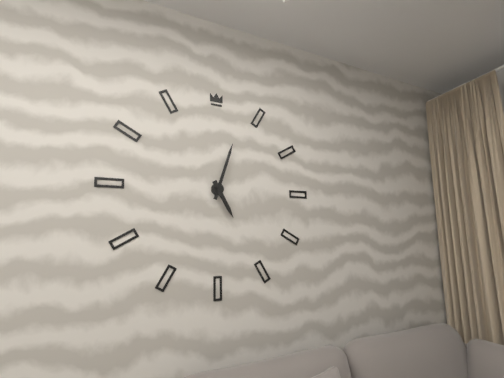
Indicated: 5 h 03 min
